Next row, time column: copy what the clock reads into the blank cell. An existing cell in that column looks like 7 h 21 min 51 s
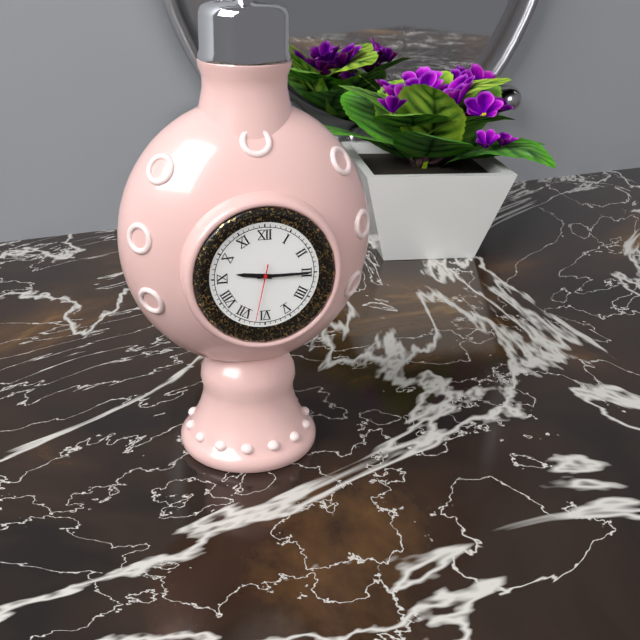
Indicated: 9 h 15 min 32 s
